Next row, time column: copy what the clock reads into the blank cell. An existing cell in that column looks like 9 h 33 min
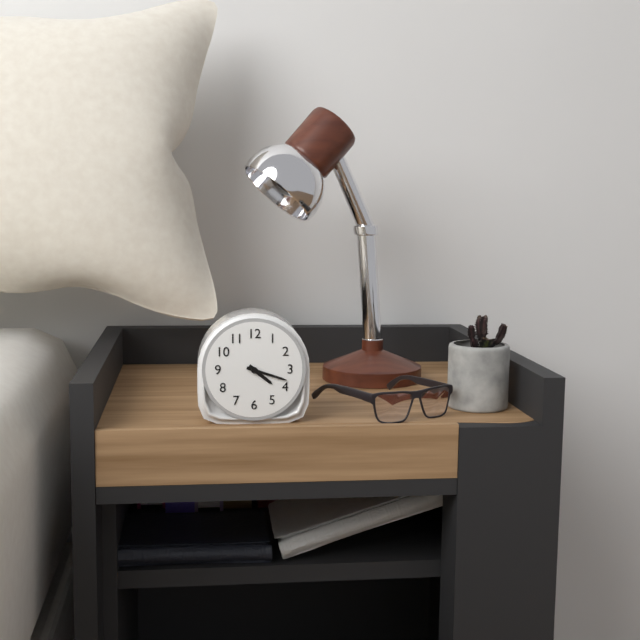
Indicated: 4 h 18 min
